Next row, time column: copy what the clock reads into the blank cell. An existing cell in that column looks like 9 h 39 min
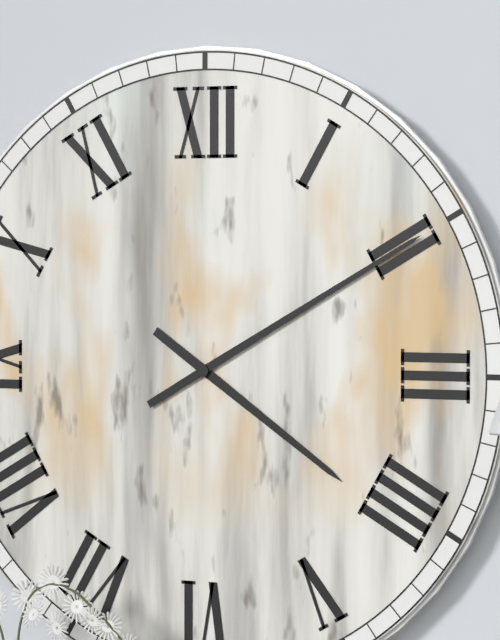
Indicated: 4 h 10 min
